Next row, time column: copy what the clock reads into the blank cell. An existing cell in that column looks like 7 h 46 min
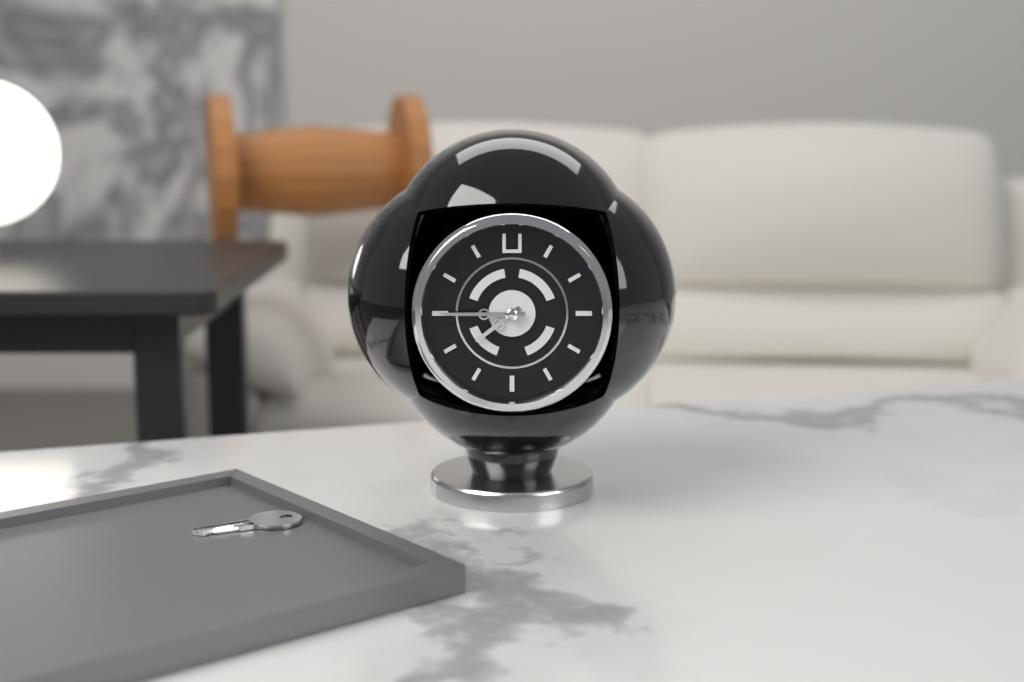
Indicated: 7 h 45 min
